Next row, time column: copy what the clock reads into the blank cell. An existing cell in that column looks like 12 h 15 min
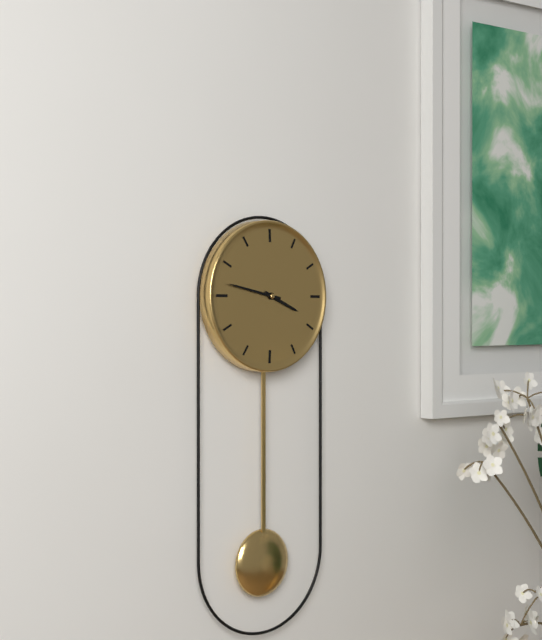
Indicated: 3 h 47 min
